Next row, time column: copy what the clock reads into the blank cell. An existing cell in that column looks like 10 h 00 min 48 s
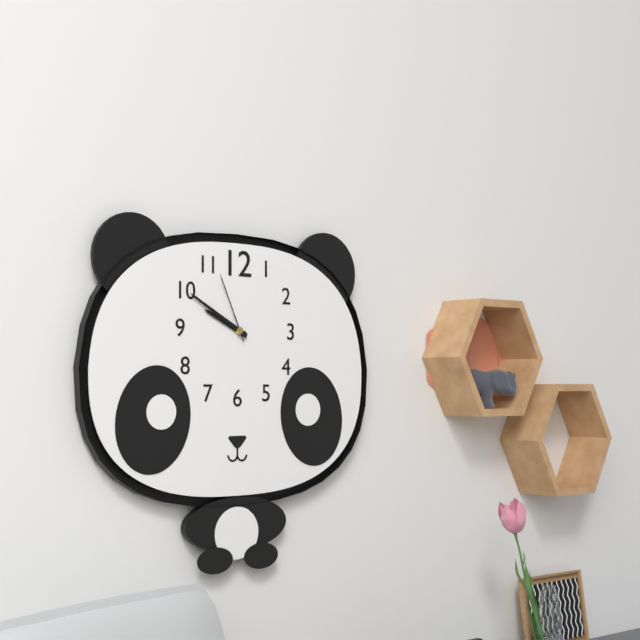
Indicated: 9 h 50 min 56 s
